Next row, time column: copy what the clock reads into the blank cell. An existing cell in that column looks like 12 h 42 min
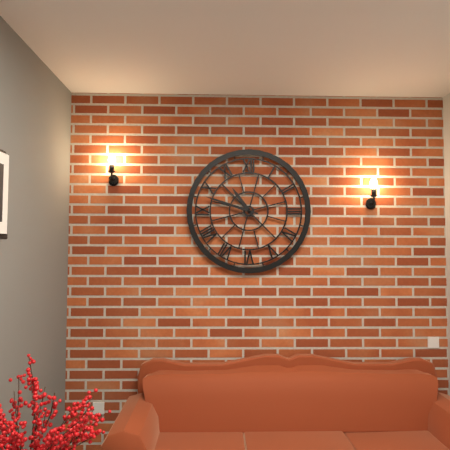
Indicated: 10 h 48 min
